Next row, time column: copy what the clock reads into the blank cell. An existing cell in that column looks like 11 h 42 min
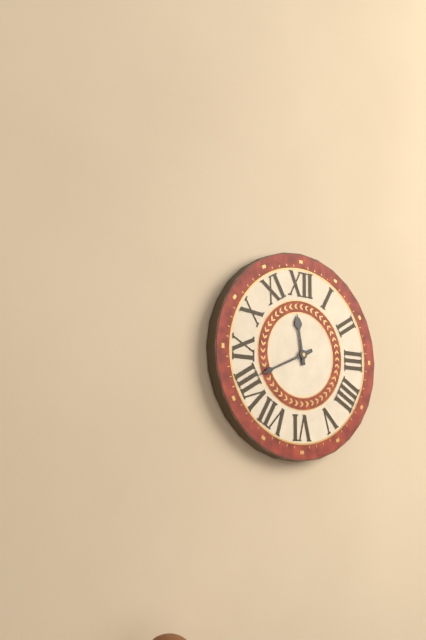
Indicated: 11 h 41 min
